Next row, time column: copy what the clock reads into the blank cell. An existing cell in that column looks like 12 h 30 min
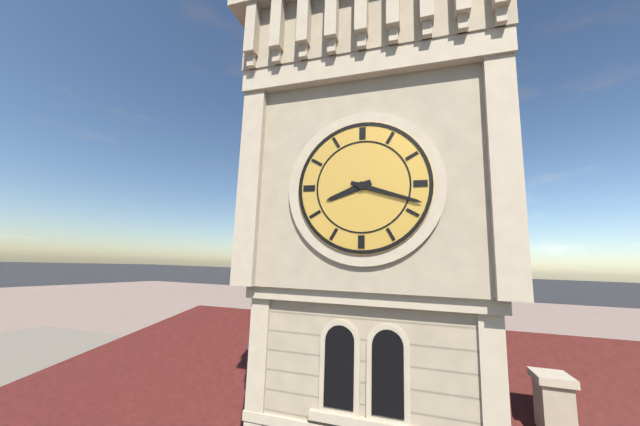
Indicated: 8 h 18 min
